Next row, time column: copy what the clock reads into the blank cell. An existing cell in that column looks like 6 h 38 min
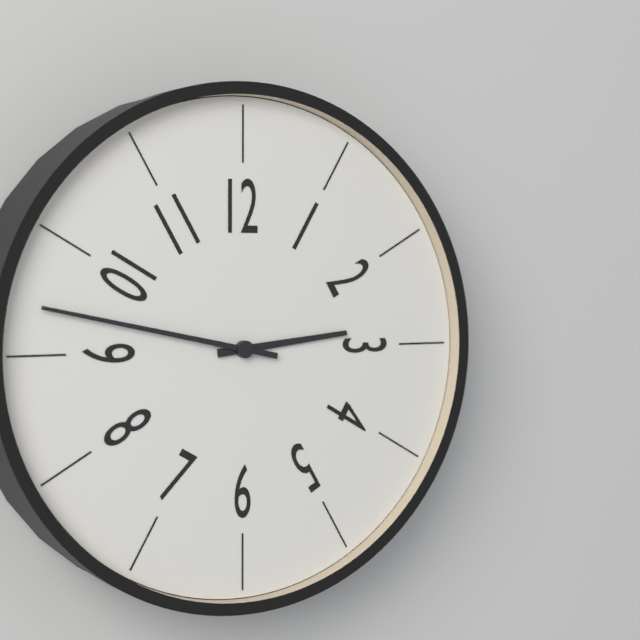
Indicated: 2 h 47 min
